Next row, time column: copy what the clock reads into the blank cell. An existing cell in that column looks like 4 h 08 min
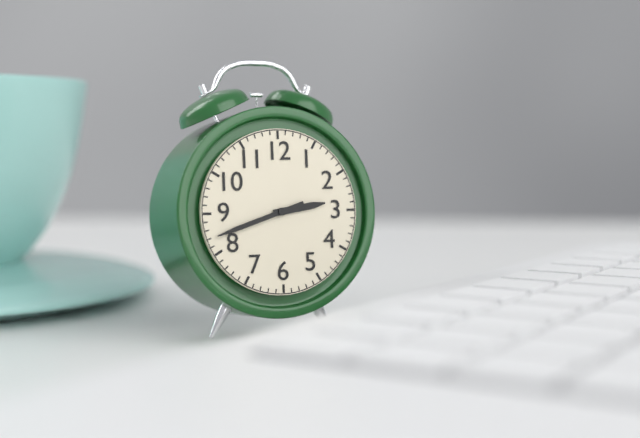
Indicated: 2 h 42 min
